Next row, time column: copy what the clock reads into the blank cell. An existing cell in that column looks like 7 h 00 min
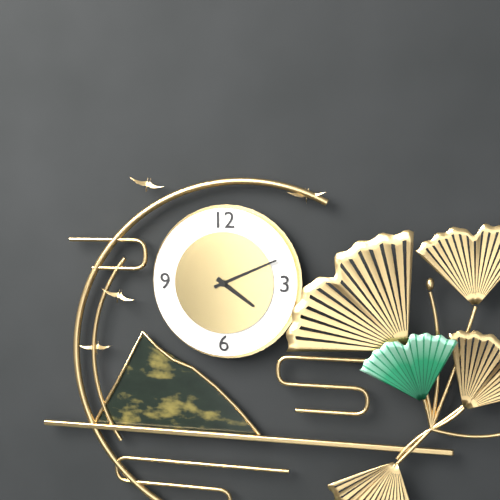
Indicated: 4 h 11 min
